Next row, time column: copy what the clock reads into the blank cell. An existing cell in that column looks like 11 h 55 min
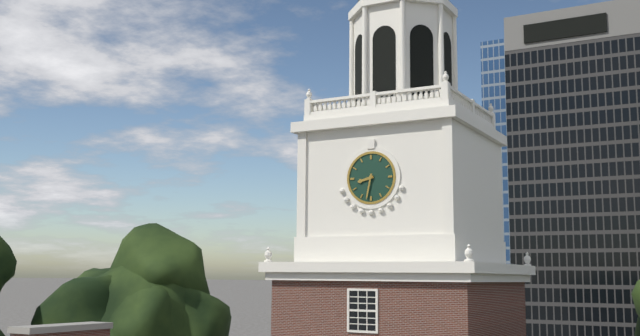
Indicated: 8 h 32 min
